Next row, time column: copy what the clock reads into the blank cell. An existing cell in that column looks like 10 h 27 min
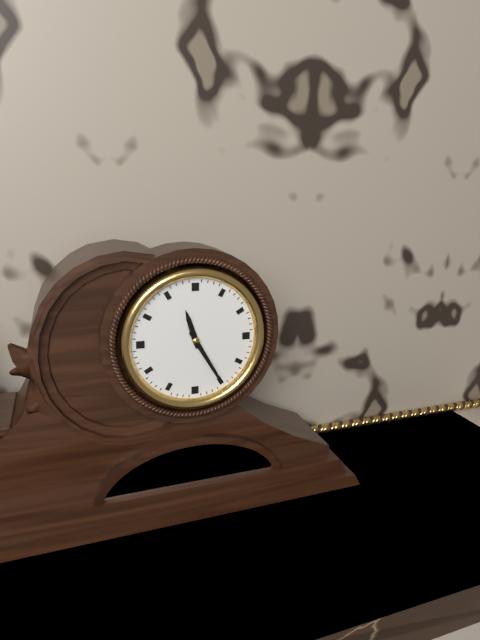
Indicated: 11 h 25 min
